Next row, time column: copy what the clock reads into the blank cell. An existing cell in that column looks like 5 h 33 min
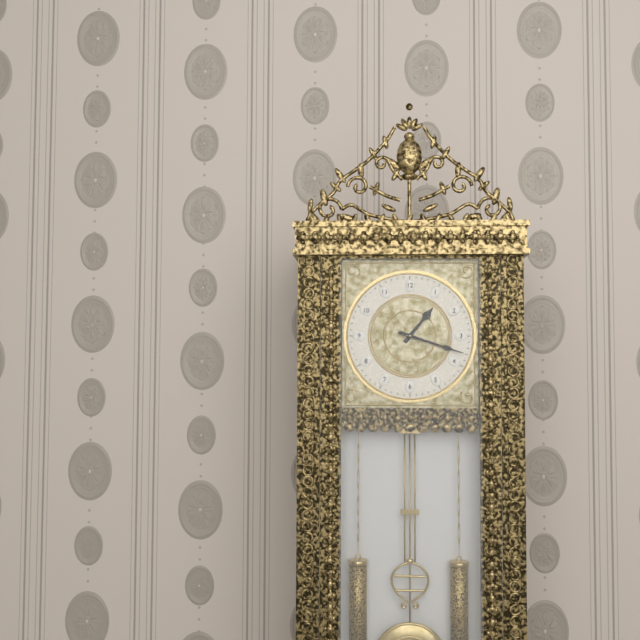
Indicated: 1 h 18 min
